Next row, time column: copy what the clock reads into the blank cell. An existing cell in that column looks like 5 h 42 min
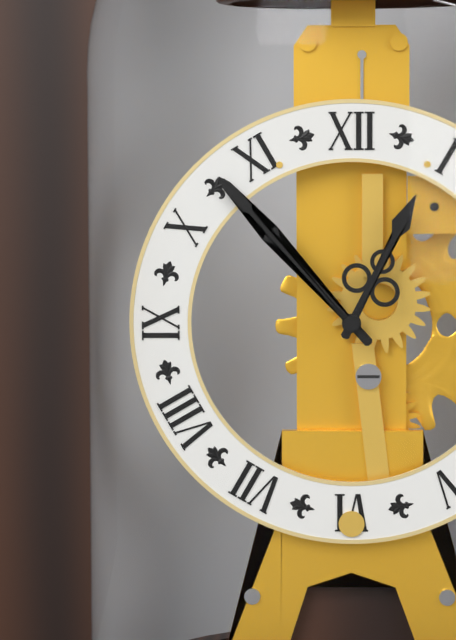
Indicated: 12 h 53 min
